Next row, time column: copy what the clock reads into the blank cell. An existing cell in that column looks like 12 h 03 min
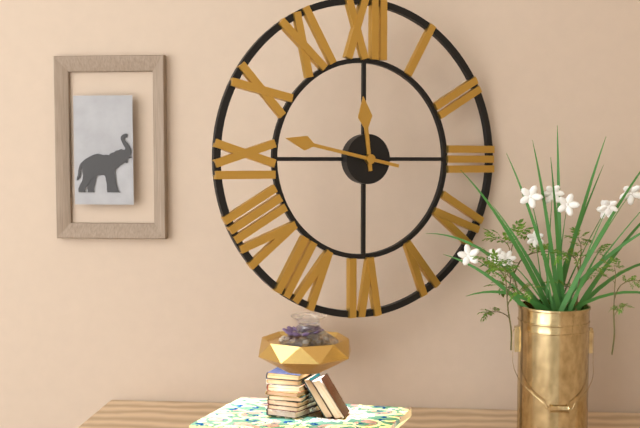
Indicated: 11 h 47 min
